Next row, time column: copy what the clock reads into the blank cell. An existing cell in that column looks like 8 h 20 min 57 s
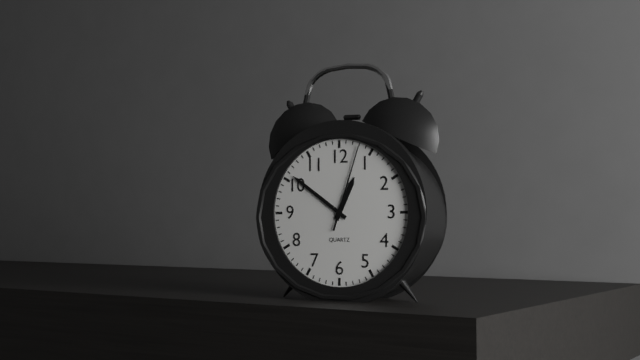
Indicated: 12 h 51 min 03 s
